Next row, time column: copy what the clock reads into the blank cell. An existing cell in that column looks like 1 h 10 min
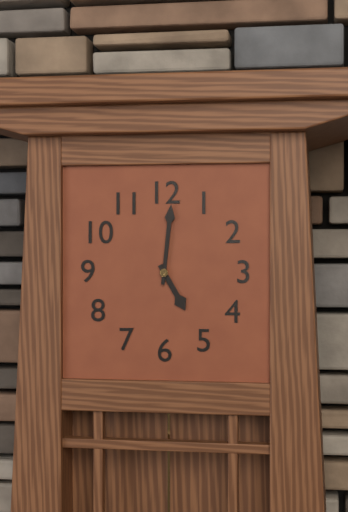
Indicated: 5 h 01 min
